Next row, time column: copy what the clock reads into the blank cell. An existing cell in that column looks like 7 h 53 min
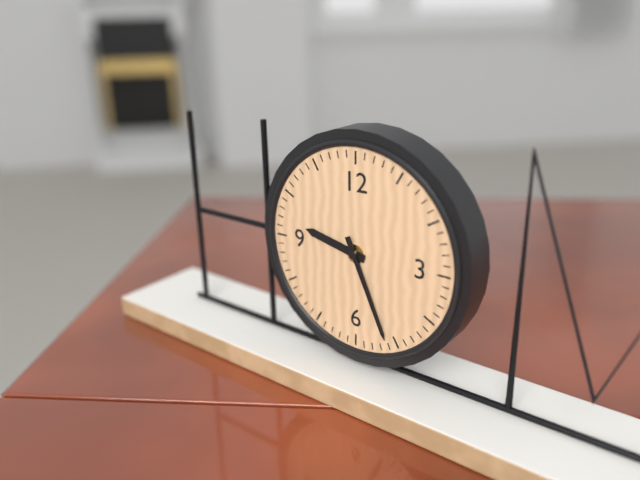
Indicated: 9 h 26 min
